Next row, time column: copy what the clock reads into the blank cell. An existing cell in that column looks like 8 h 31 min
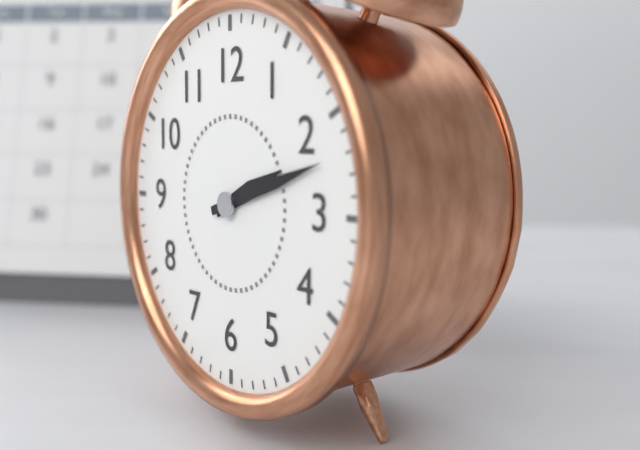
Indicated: 2 h 12 min
